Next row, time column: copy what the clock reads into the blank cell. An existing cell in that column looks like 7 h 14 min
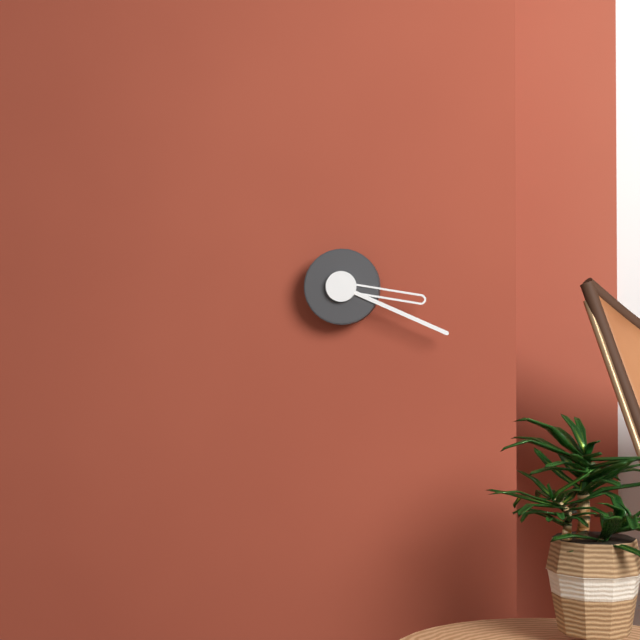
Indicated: 3 h 19 min
